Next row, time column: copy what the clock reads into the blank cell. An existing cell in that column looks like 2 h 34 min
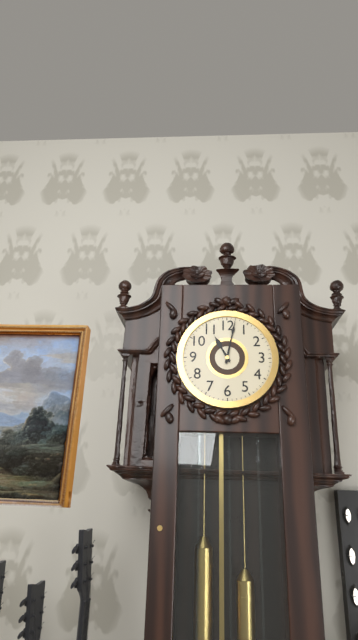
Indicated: 11 h 02 min
